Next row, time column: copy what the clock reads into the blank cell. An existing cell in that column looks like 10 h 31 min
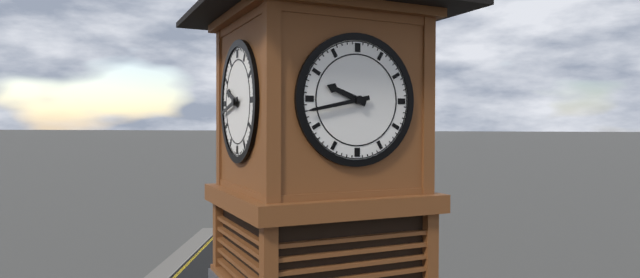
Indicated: 9 h 43 min
